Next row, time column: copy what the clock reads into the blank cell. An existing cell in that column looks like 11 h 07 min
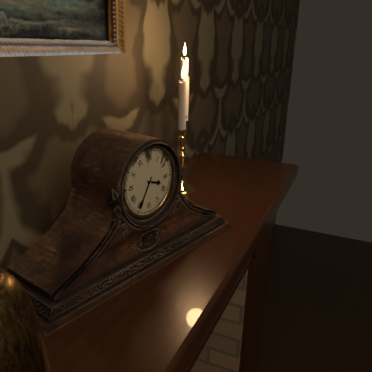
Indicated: 3 h 35 min
